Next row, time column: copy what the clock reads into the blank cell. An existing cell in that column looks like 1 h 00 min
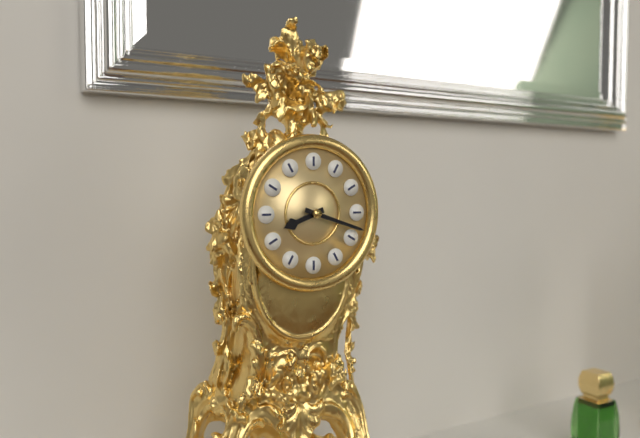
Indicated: 8 h 18 min
